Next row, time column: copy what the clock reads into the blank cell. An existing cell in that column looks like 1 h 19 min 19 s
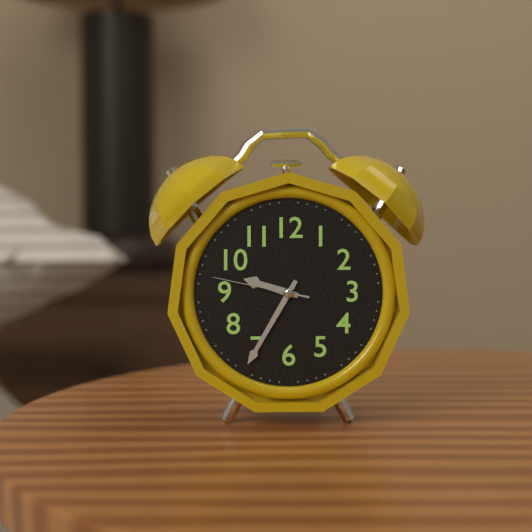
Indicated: 9 h 35 min 47 s
